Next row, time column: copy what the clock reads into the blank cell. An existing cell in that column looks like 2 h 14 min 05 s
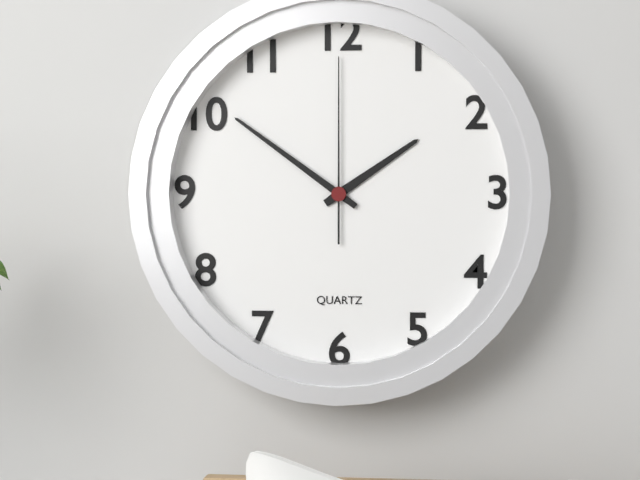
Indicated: 1 h 51 min 00 s
